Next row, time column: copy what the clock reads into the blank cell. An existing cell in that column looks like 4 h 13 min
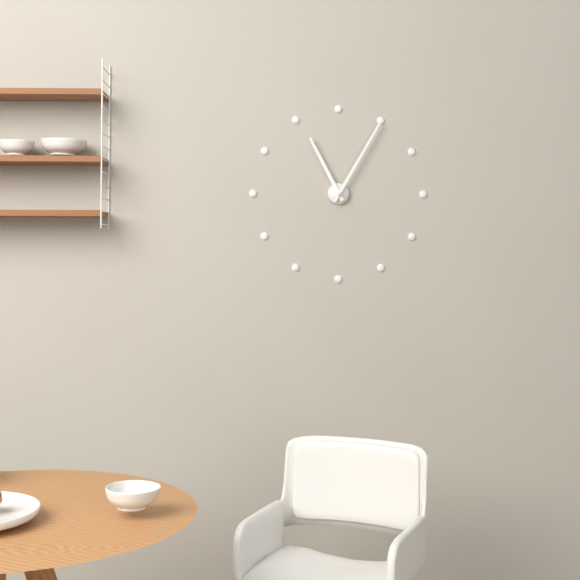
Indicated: 11 h 05 min
